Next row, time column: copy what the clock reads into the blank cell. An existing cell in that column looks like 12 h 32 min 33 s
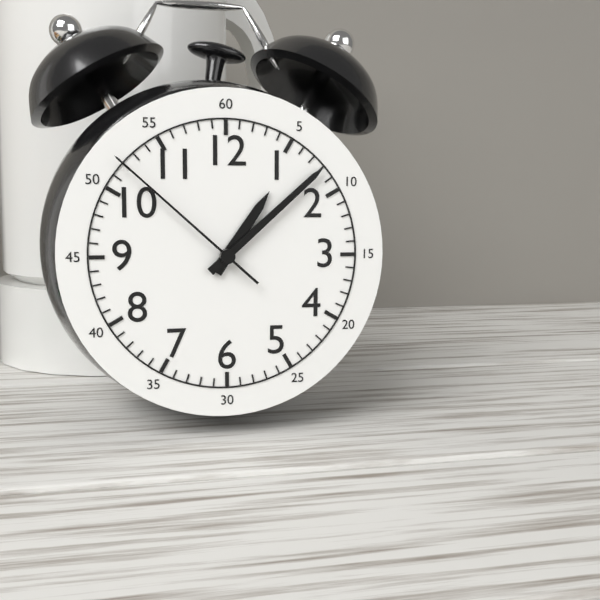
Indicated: 1 h 08 min 52 s
